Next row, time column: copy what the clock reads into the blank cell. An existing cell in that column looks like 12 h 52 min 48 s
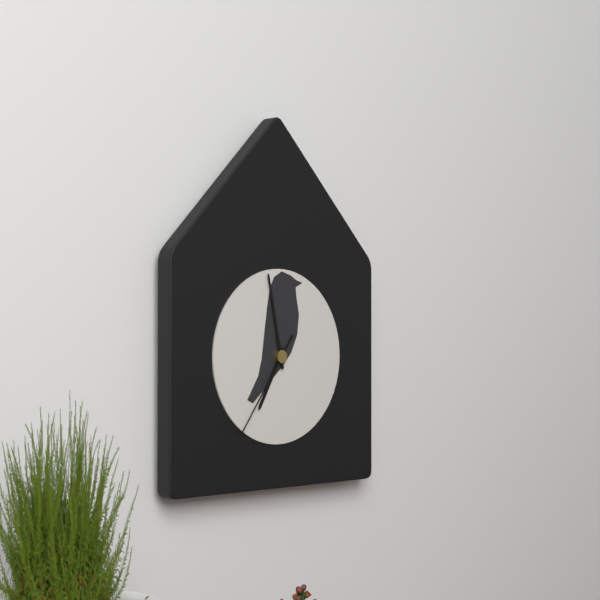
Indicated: 6 h 58 min 36 s
